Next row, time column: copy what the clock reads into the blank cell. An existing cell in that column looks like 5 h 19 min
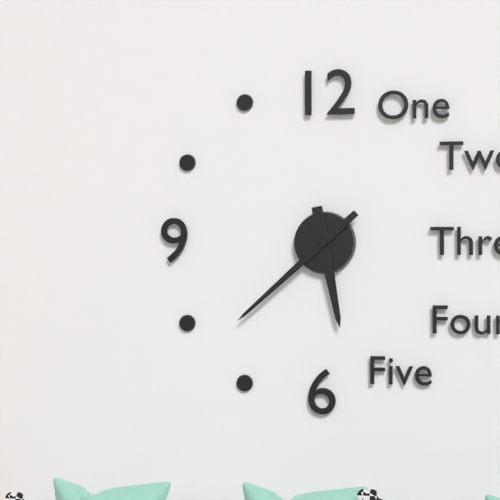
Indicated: 5 h 38 min
